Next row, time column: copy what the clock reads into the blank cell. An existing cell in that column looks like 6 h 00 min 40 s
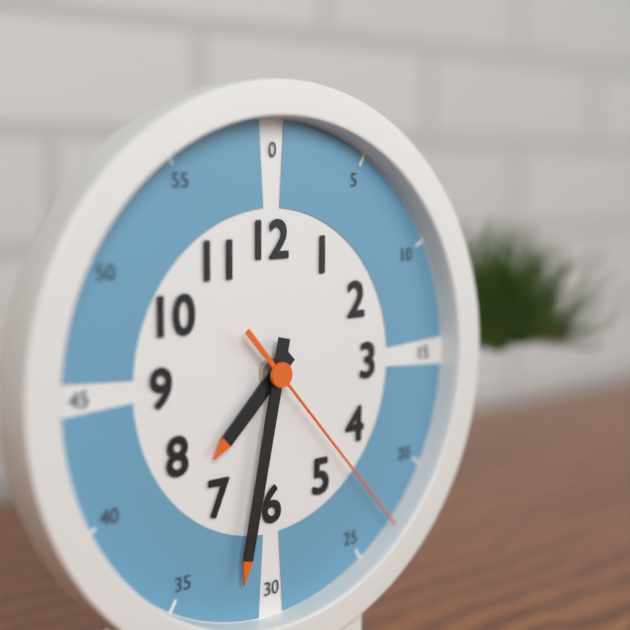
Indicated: 7 h 32 min 23 s
